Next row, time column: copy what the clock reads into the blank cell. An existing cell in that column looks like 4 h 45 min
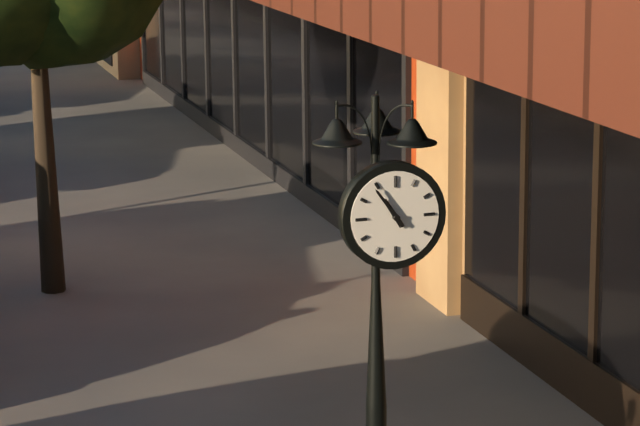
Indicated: 10 h 54 min
